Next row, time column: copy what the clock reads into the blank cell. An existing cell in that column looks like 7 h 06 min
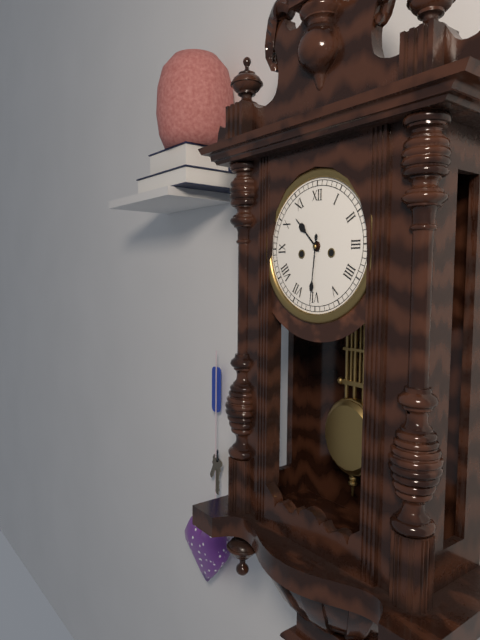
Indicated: 10 h 31 min
